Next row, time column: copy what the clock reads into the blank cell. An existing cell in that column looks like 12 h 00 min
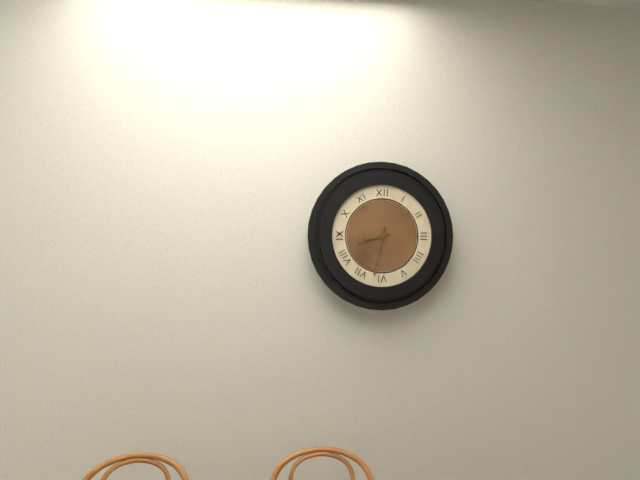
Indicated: 8 h 32 min
